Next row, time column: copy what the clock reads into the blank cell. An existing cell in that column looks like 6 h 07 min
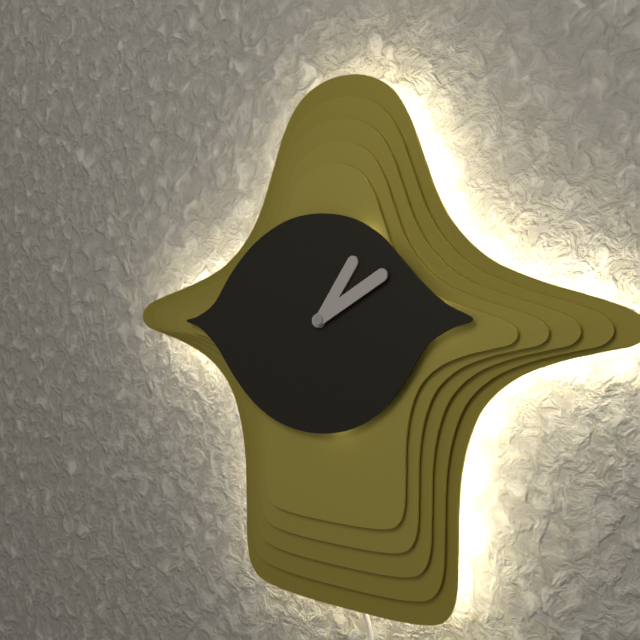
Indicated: 1 h 10 min
